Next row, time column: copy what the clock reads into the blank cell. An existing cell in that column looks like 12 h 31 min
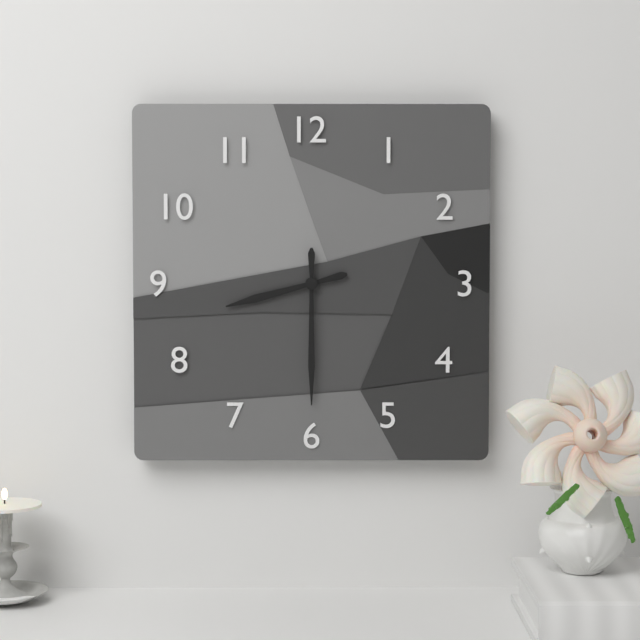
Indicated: 8 h 30 min
